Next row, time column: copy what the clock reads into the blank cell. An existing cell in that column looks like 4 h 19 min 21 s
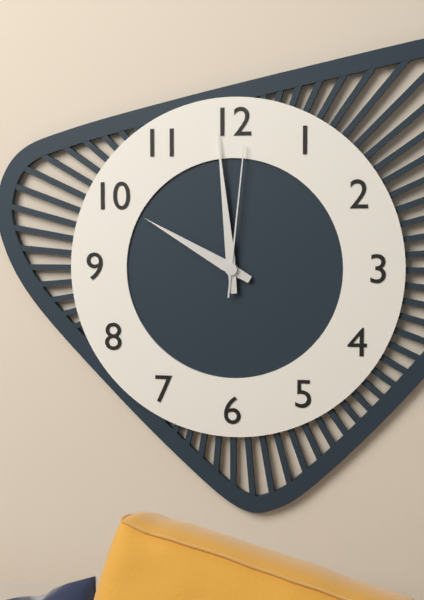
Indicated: 9 h 59 min 01 s
